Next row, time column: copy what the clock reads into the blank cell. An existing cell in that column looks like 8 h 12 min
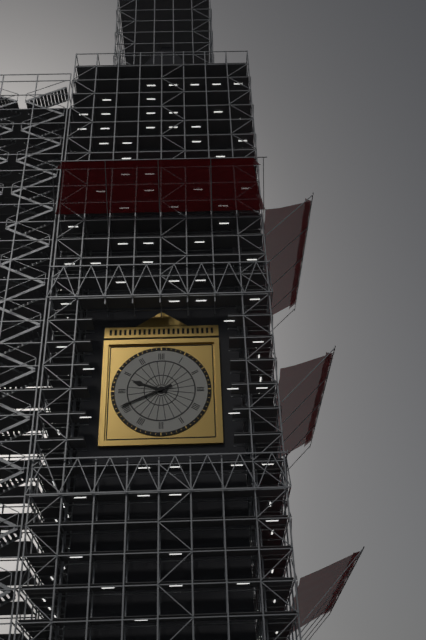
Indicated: 9 h 41 min
